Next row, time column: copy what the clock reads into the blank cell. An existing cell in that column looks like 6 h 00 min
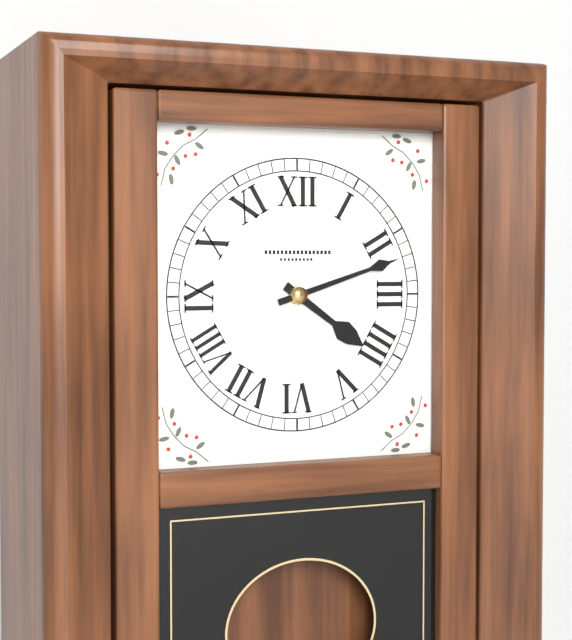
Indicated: 4 h 12 min
